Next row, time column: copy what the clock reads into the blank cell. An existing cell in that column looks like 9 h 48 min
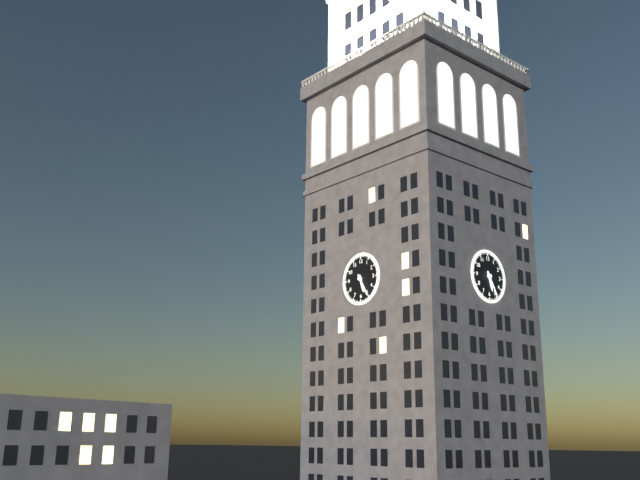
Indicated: 5 h 25 min
